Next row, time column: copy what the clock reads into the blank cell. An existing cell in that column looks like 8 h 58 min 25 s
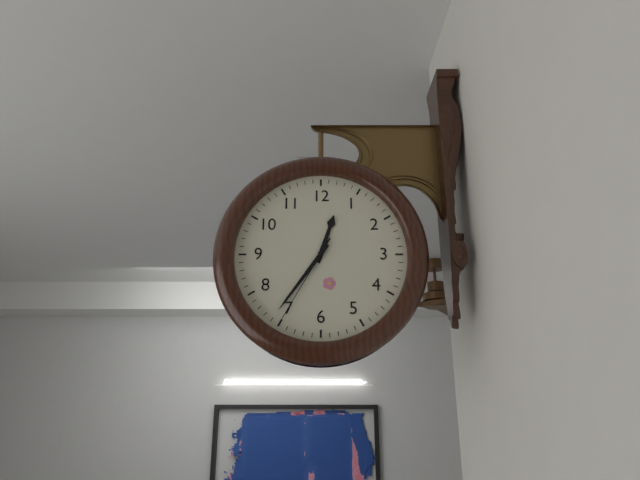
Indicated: 12 h 36 min 35 s
